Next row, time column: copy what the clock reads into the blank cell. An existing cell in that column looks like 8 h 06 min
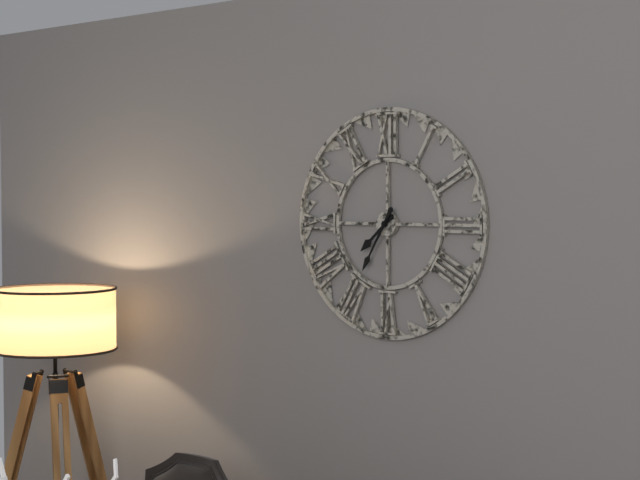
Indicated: 7 h 35 min
